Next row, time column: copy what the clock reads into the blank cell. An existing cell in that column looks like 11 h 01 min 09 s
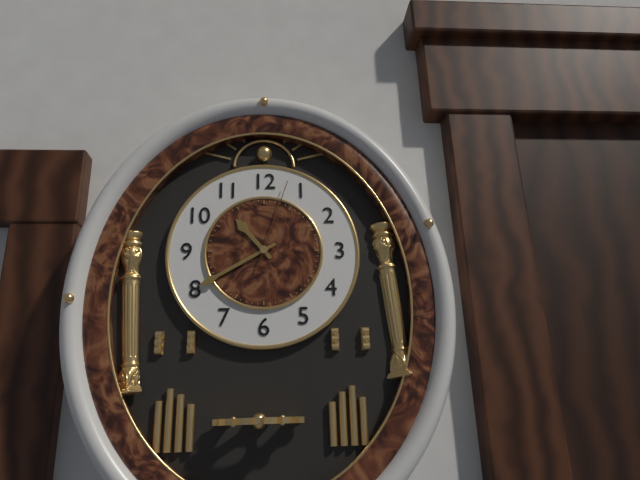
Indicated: 10 h 40 min 03 s
